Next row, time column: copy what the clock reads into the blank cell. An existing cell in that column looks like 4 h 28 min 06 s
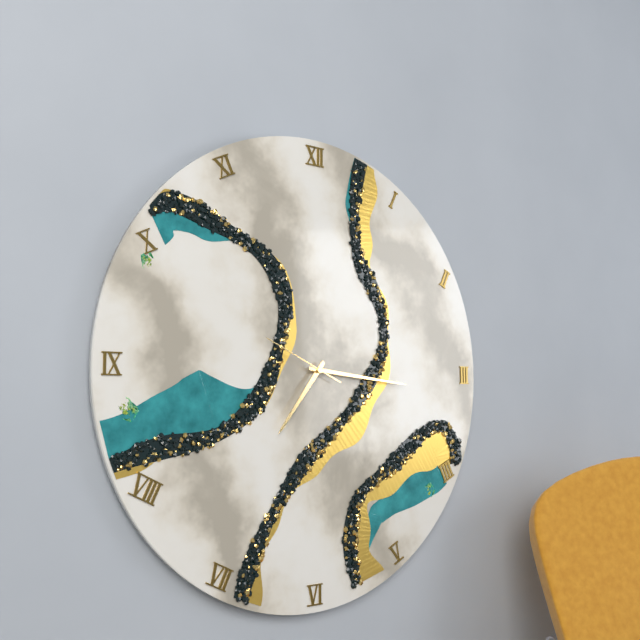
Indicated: 7 h 16 min 49 s
